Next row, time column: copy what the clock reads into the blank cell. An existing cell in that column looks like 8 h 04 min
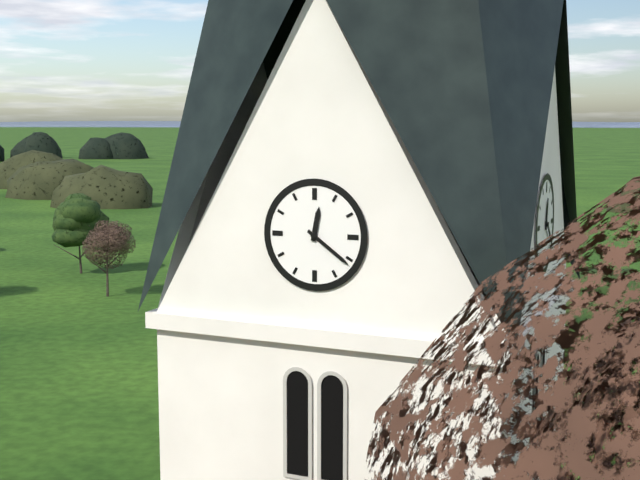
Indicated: 12 h 21 min
